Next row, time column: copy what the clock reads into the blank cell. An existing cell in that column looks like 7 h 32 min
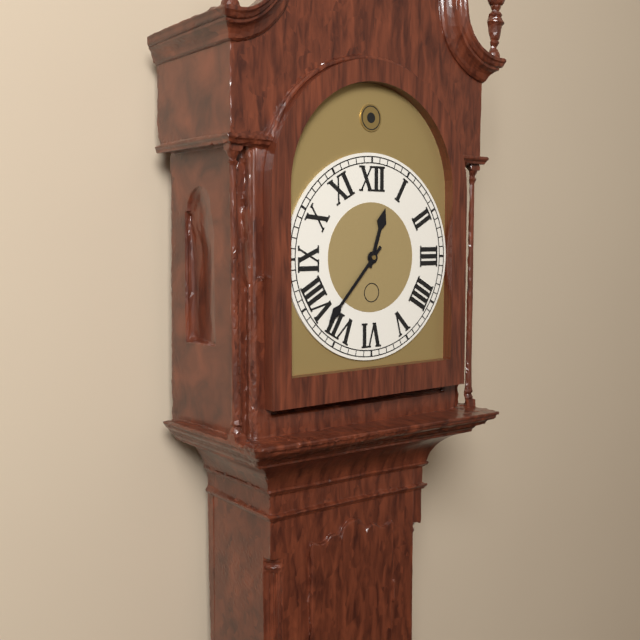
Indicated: 12 h 37 min
